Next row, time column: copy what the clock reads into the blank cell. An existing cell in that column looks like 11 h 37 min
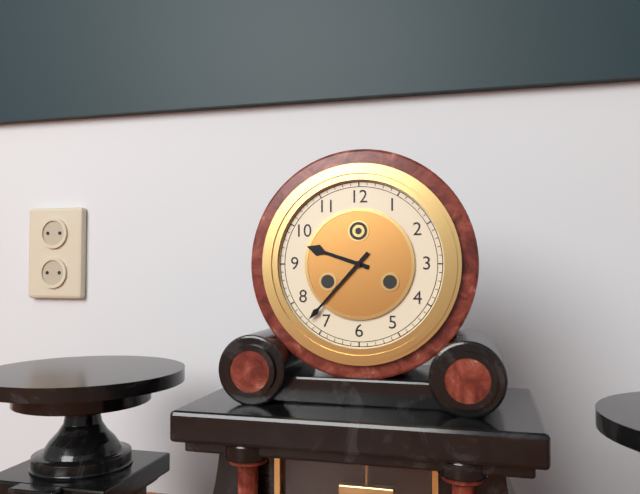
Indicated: 9 h 37 min
